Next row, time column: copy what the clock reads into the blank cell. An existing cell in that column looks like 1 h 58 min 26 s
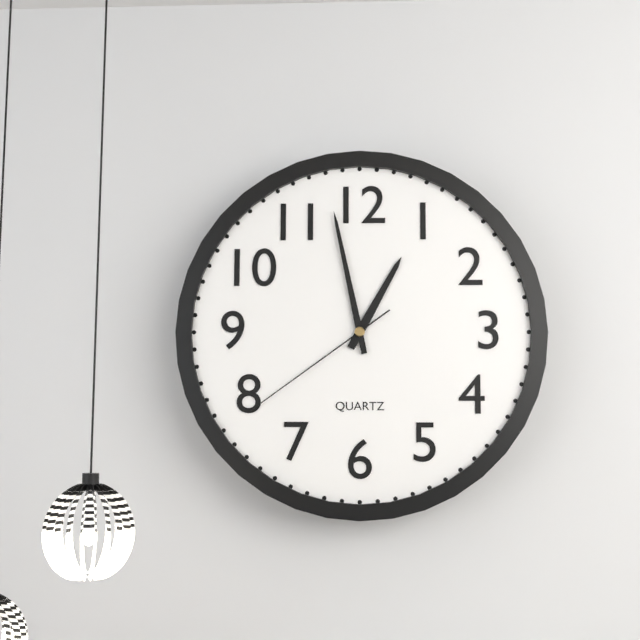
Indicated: 12 h 58 min 39 s
